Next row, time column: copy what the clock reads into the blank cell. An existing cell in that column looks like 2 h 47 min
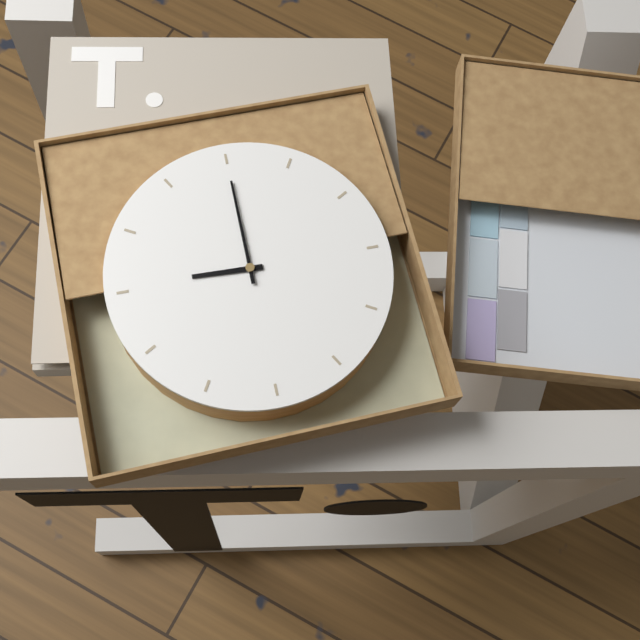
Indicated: 10 h 05 min
